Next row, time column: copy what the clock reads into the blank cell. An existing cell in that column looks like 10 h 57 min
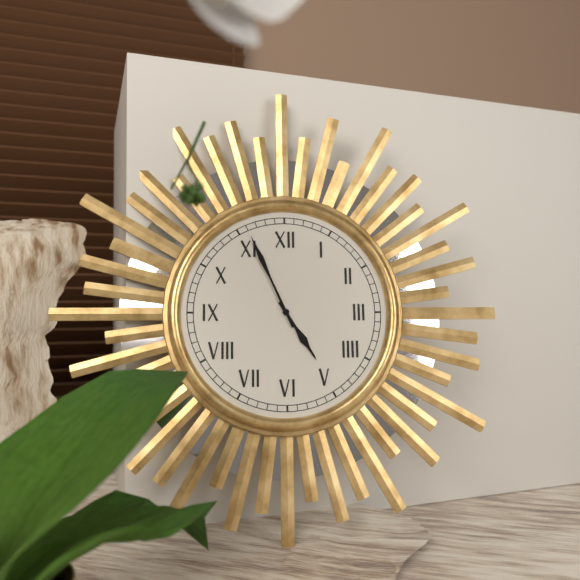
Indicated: 4 h 56 min
